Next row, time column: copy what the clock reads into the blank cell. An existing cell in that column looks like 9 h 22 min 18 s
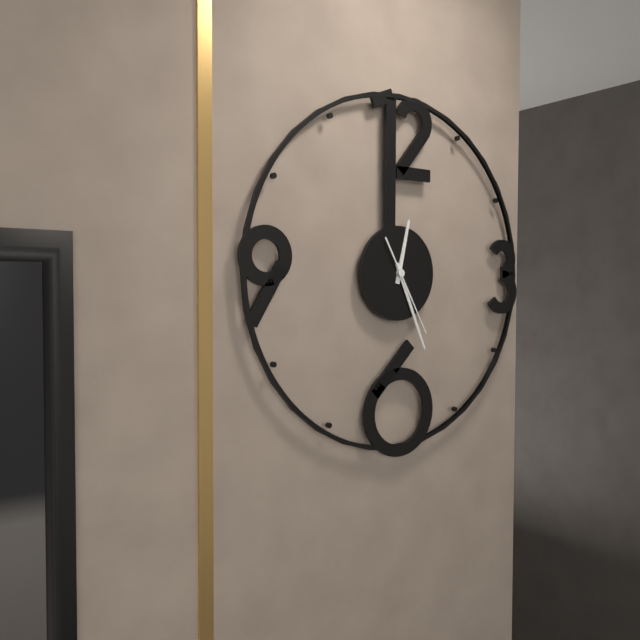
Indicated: 12 h 26 min 25 s
